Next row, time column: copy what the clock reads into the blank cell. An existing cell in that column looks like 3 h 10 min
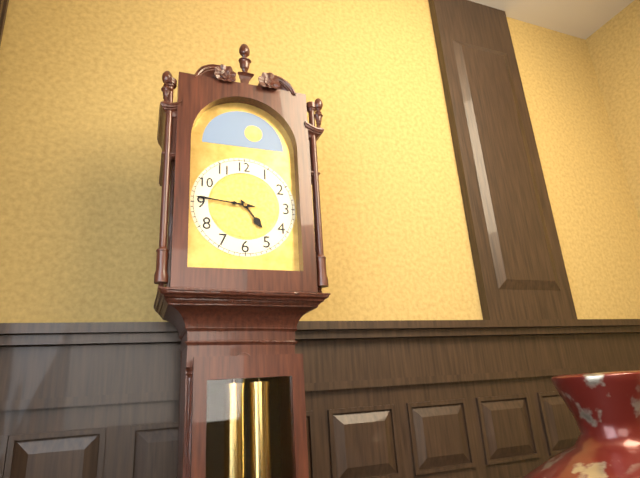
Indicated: 4 h 46 min
